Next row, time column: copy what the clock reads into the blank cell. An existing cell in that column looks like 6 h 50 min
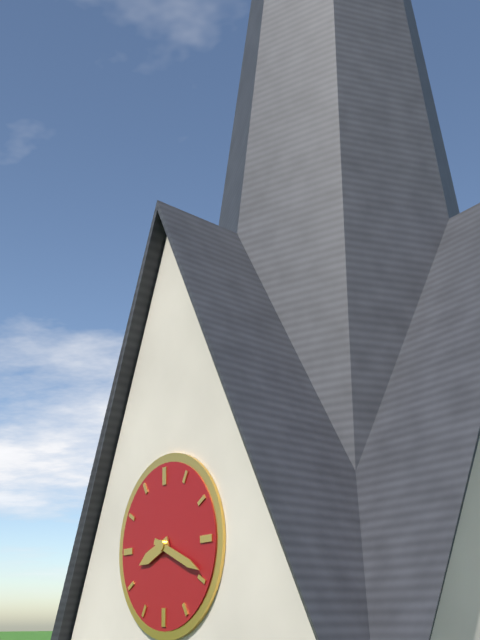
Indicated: 8 h 19 min
